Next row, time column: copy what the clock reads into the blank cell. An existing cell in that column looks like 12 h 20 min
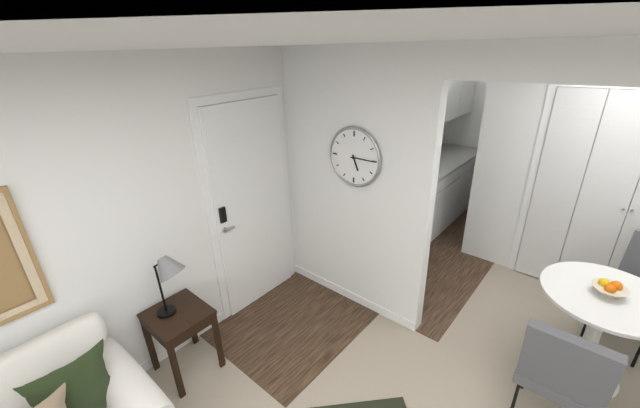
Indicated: 5 h 15 min
